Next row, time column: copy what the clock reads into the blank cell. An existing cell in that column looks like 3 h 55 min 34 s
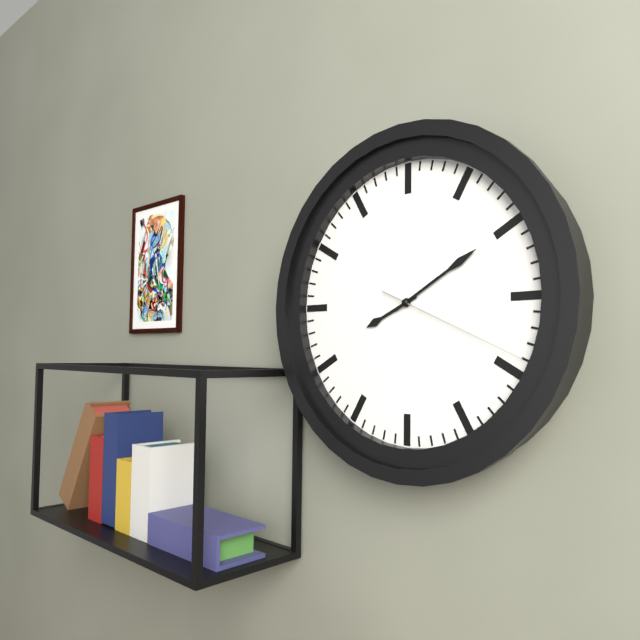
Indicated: 8 h 10 min 19 s
